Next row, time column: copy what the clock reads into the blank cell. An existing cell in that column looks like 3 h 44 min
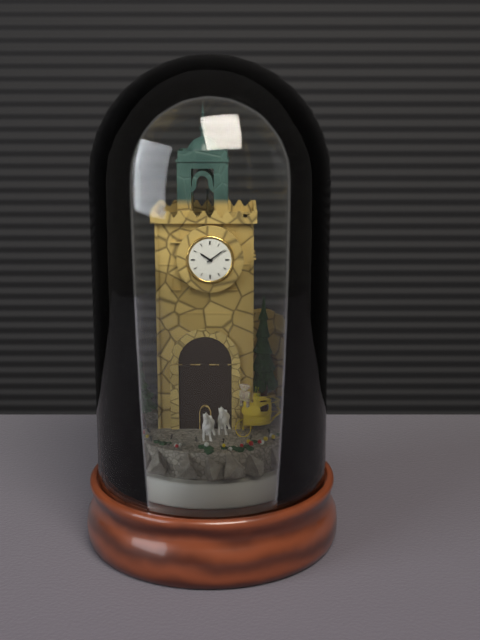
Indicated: 10 h 09 min
